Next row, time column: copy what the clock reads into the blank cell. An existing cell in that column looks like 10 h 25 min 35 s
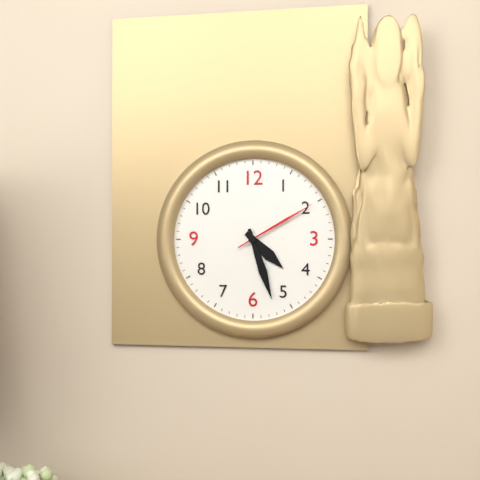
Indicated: 4 h 27 min 10 s
